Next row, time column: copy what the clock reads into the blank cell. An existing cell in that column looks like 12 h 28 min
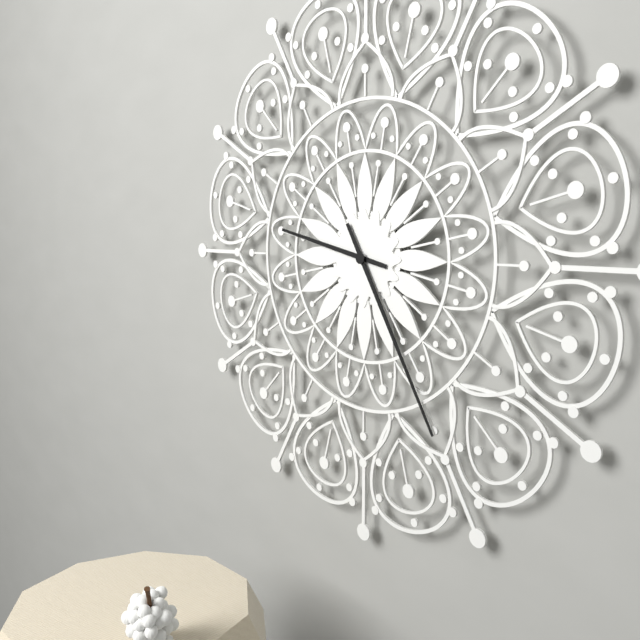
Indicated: 9 h 25 min
